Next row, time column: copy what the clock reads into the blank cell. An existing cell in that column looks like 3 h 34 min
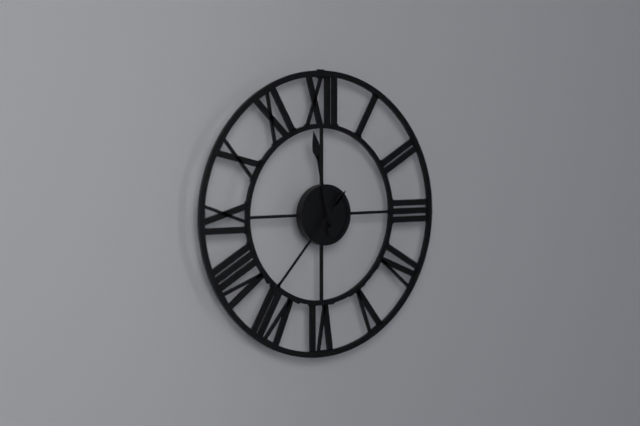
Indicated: 11 h 37 min
